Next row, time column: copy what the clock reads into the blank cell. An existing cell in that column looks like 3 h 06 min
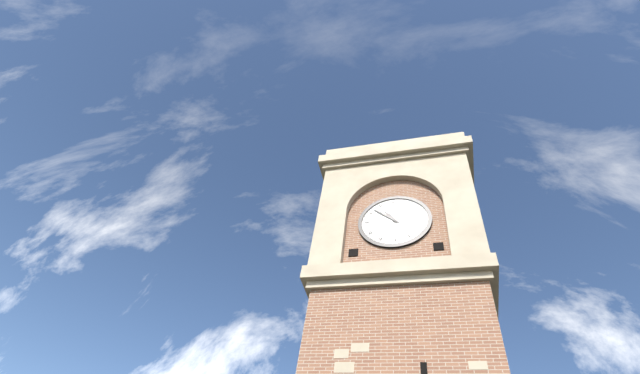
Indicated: 10 h 52 min
